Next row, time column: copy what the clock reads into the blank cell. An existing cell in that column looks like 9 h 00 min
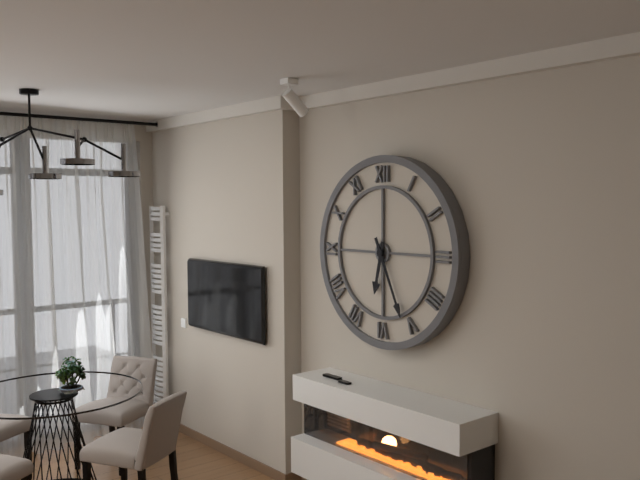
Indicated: 6 h 26 min
